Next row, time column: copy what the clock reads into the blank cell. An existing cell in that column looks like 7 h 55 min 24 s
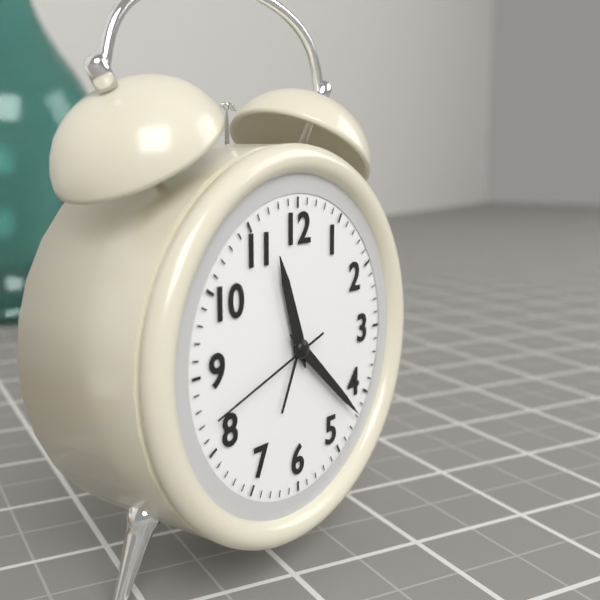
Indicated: 11 h 22 min 42 s
